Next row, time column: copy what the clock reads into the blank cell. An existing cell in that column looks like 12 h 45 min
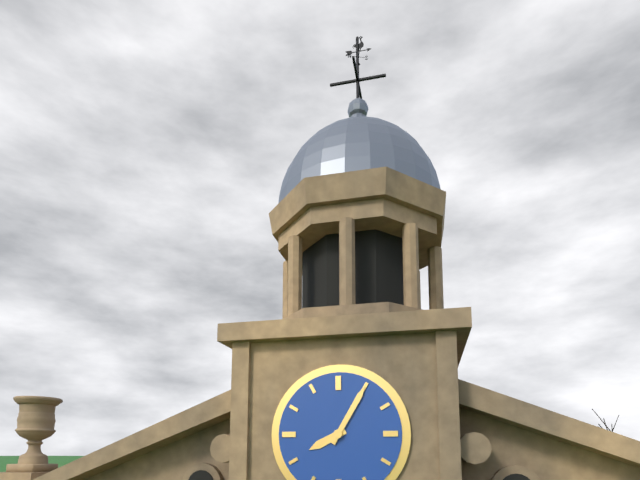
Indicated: 8 h 05 min
